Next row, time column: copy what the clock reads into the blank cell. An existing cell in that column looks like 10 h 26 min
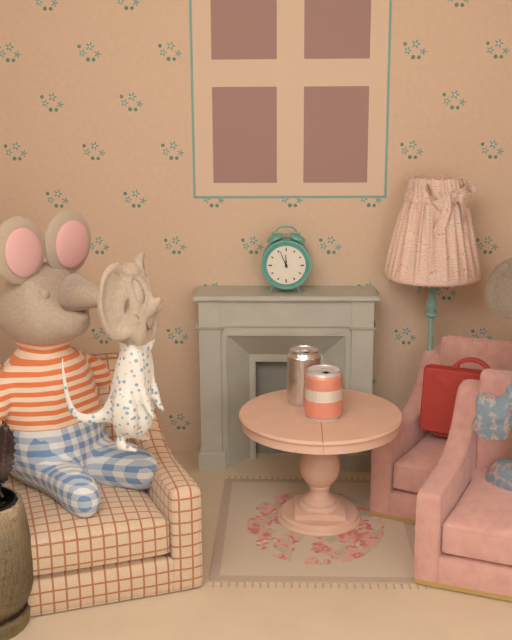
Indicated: 11 h 56 min
